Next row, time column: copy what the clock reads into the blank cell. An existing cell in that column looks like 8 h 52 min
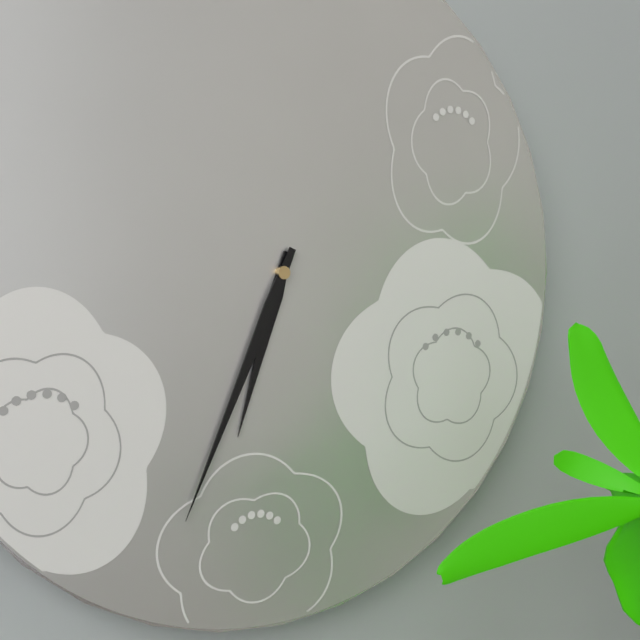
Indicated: 6 h 34 min
